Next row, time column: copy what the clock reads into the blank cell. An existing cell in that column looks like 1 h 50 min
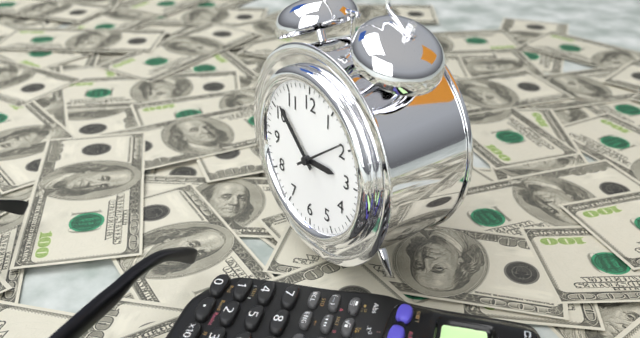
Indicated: 2 h 52 min
